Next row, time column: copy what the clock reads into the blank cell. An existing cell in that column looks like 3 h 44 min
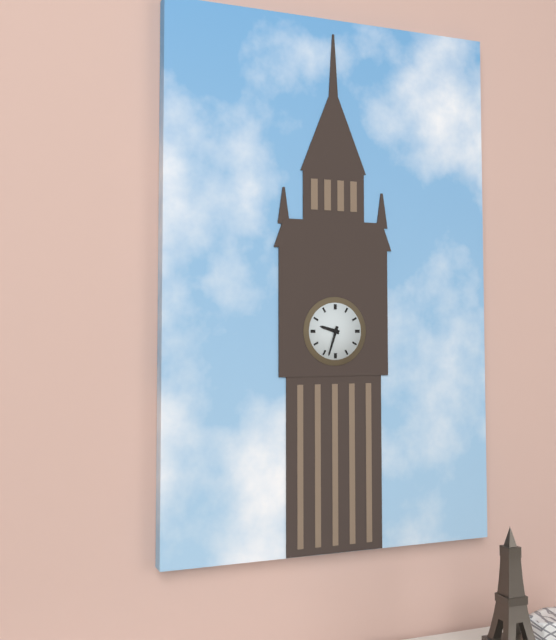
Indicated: 9 h 33 min
